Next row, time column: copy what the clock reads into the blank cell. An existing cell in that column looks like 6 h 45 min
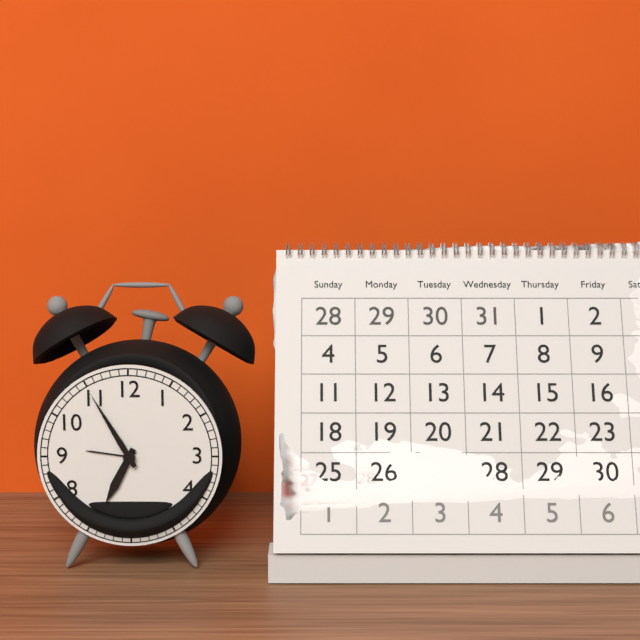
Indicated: 6 h 55 min
